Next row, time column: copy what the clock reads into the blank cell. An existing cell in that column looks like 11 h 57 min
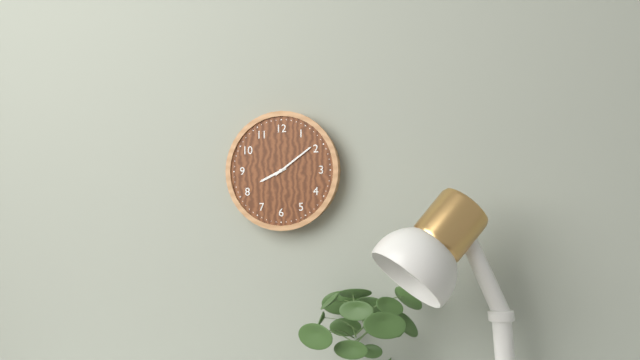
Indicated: 8 h 09 min
